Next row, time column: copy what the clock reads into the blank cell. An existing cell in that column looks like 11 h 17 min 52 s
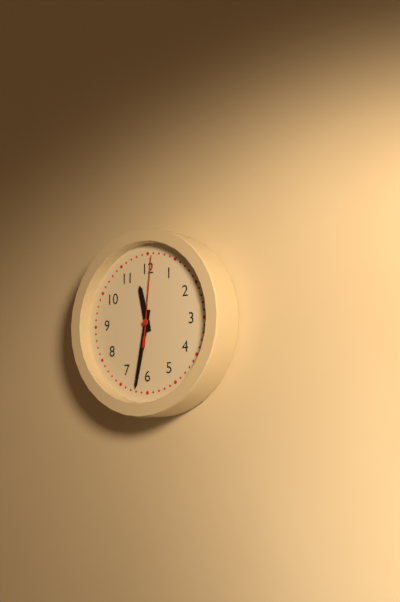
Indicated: 11 h 32 min 01 s
